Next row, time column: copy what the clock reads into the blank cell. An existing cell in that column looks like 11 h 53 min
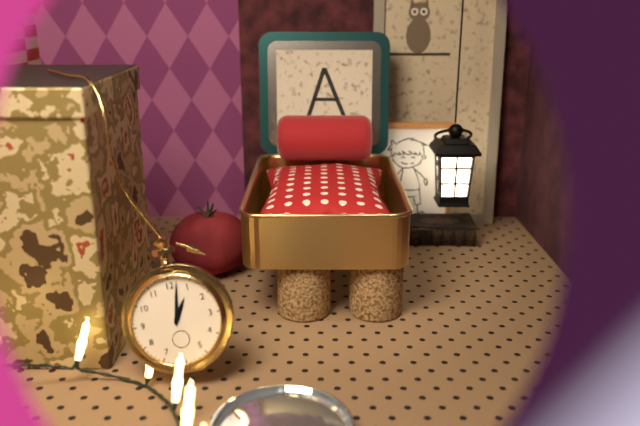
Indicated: 1 h 02 min
